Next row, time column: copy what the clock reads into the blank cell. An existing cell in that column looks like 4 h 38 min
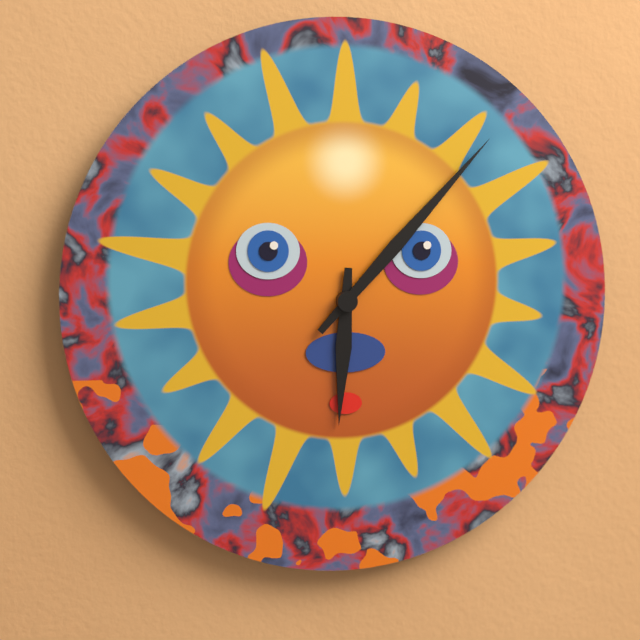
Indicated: 6 h 07 min
